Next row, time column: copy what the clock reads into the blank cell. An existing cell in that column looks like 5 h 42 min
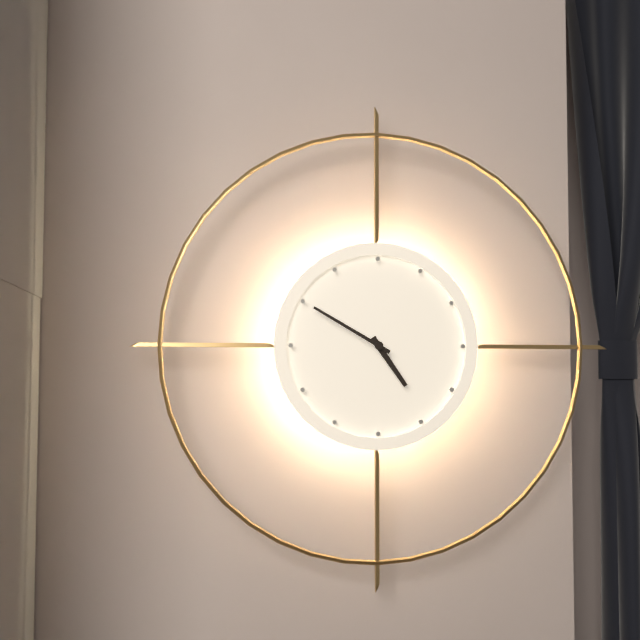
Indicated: 4 h 50 min
